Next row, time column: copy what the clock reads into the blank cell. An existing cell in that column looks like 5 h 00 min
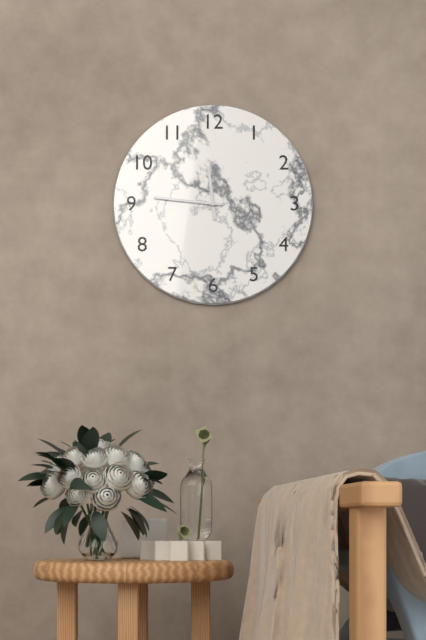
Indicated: 11 h 46 min
